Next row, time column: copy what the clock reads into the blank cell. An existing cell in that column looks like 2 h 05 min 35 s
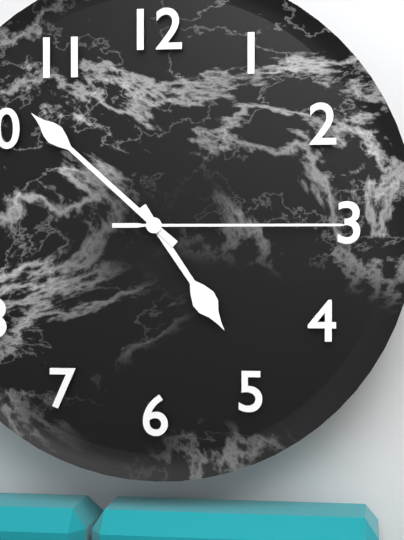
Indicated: 4 h 52 min 15 s
